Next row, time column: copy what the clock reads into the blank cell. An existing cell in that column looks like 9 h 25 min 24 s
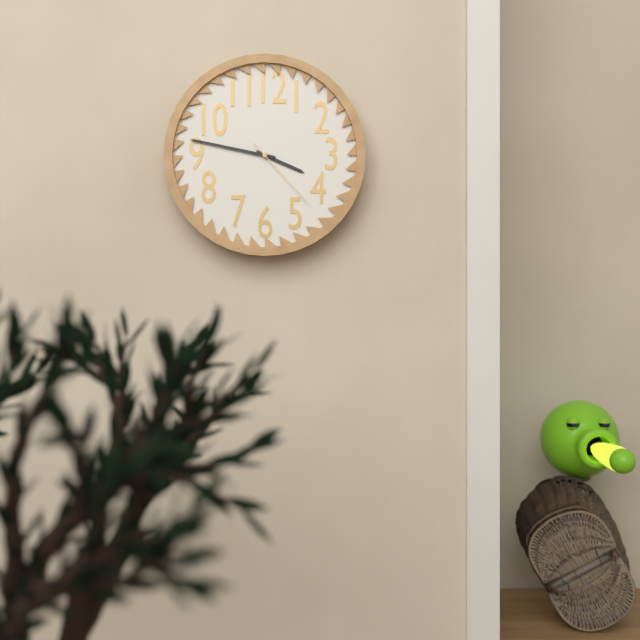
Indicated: 3 h 47 min 23 s
